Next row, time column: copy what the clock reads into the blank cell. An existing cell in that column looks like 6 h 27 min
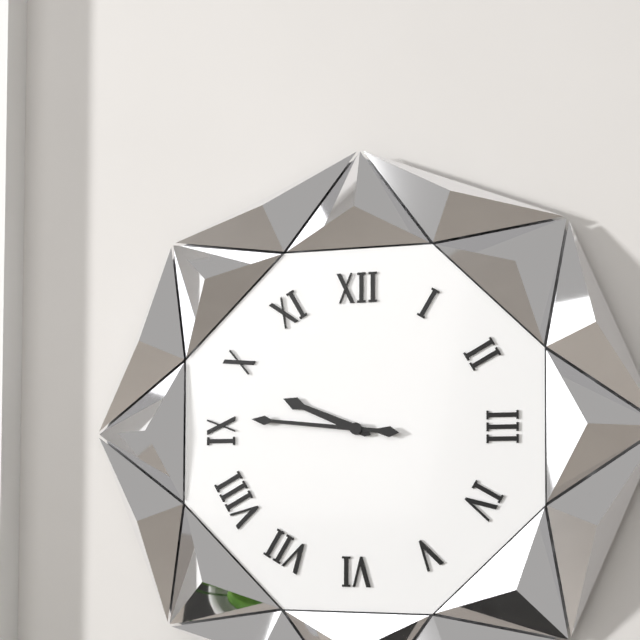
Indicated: 9 h 46 min
